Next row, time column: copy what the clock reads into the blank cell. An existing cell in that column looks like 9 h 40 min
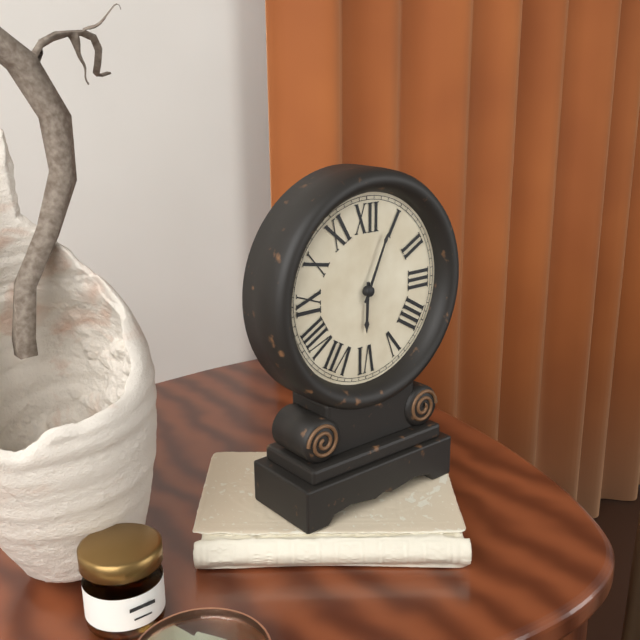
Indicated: 6 h 04 min
